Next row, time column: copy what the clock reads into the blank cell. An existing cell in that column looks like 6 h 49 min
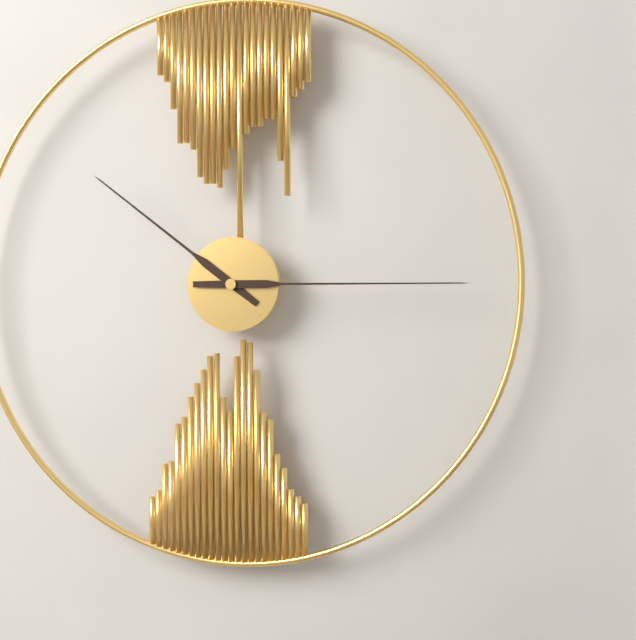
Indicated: 10 h 15 min
